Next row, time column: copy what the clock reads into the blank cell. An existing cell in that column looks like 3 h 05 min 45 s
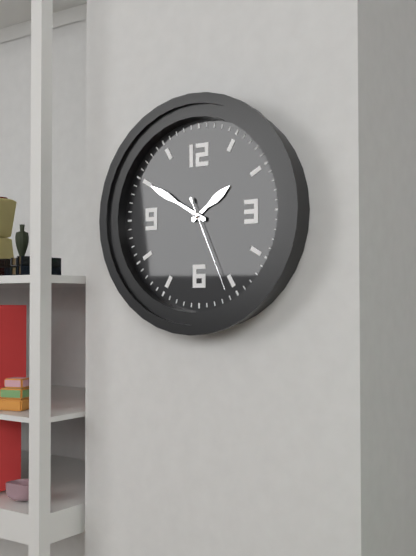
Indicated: 1 h 50 min 26 s
